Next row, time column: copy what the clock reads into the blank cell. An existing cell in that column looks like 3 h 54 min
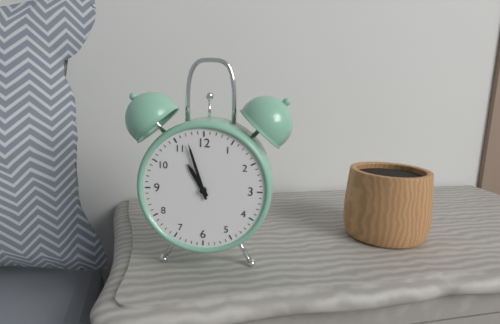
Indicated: 10 h 57 min
